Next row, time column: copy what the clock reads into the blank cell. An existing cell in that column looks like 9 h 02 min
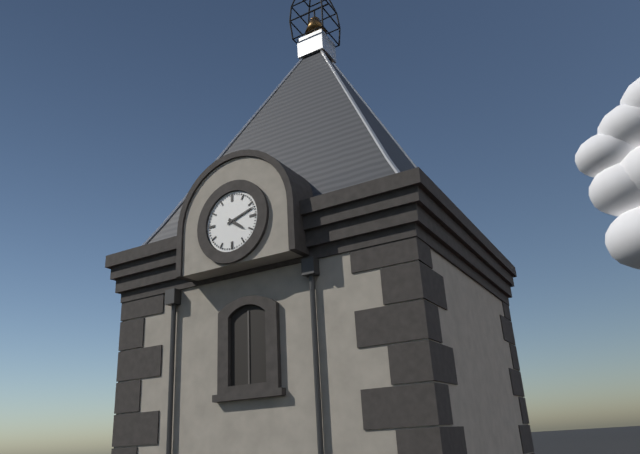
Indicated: 4 h 12 min
